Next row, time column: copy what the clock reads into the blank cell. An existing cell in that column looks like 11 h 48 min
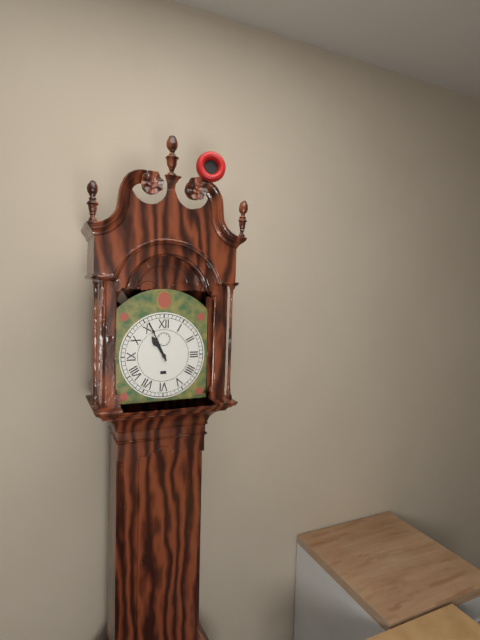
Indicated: 10 h 56 min
